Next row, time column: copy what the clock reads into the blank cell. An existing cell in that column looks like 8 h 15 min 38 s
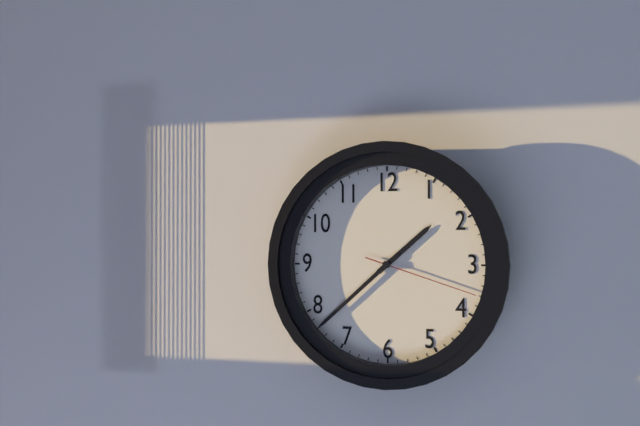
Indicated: 1 h 38 min 18 s
